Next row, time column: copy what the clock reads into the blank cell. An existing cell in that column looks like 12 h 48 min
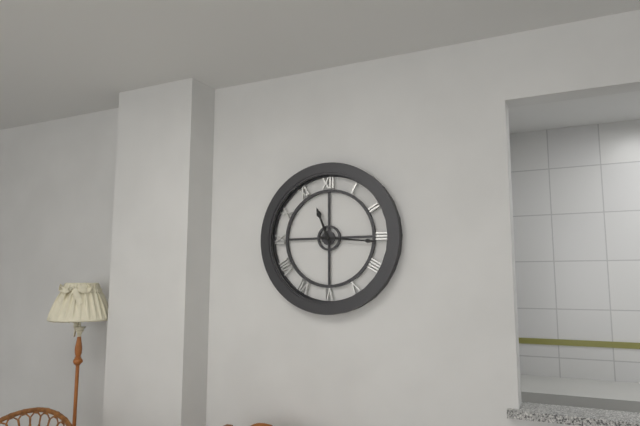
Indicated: 11 h 16 min
